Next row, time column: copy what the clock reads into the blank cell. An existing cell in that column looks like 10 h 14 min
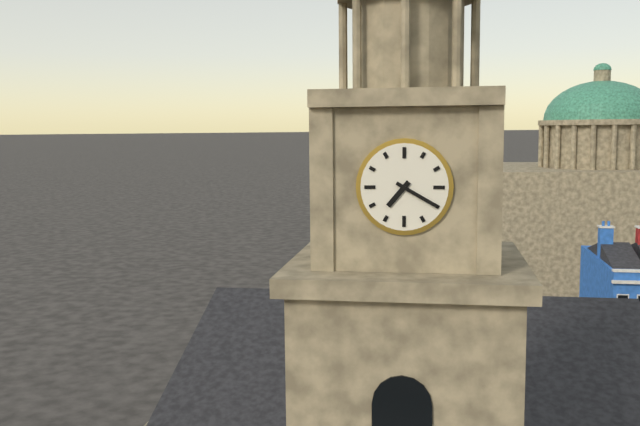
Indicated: 7 h 20 min
